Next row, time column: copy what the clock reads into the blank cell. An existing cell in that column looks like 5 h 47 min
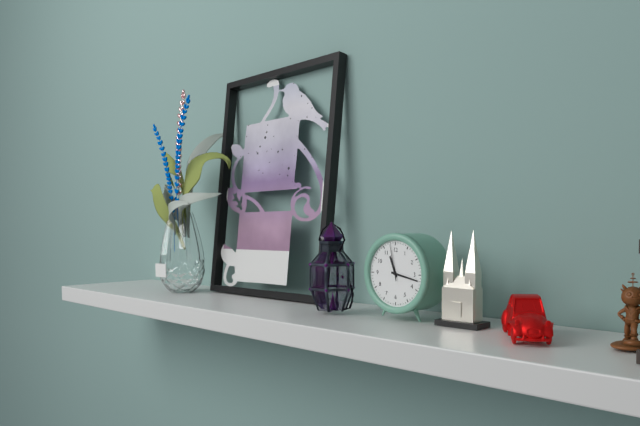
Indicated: 11 h 17 min
